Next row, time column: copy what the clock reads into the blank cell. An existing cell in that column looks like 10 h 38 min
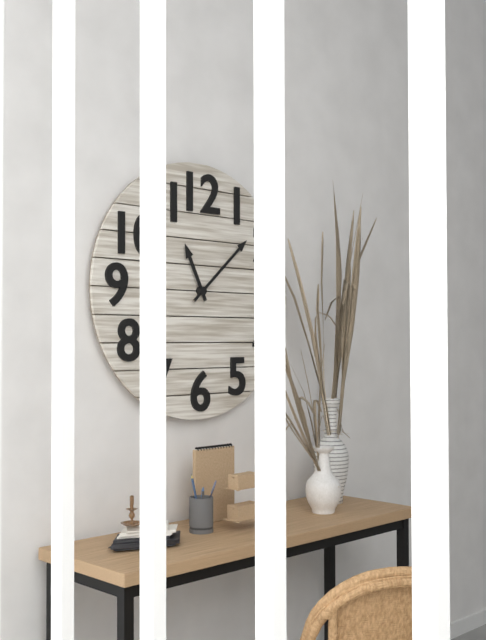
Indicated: 11 h 08 min
